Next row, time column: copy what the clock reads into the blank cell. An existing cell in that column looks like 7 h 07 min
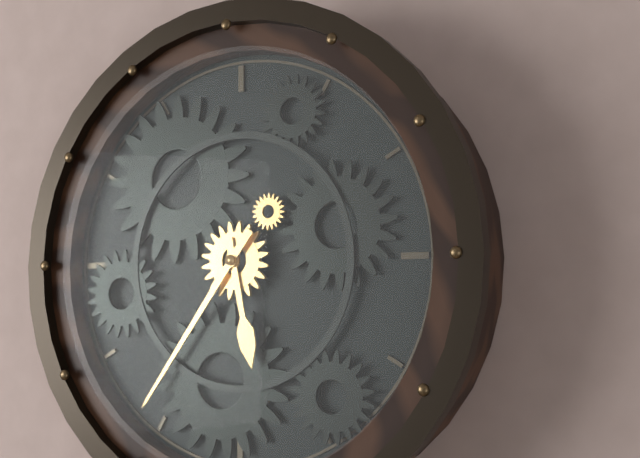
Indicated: 5 h 36 min
